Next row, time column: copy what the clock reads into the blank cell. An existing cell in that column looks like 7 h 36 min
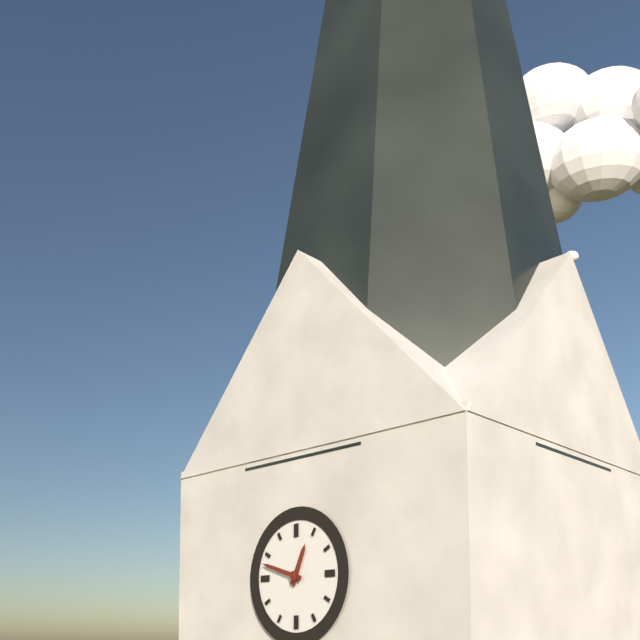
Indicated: 12 h 48 min
